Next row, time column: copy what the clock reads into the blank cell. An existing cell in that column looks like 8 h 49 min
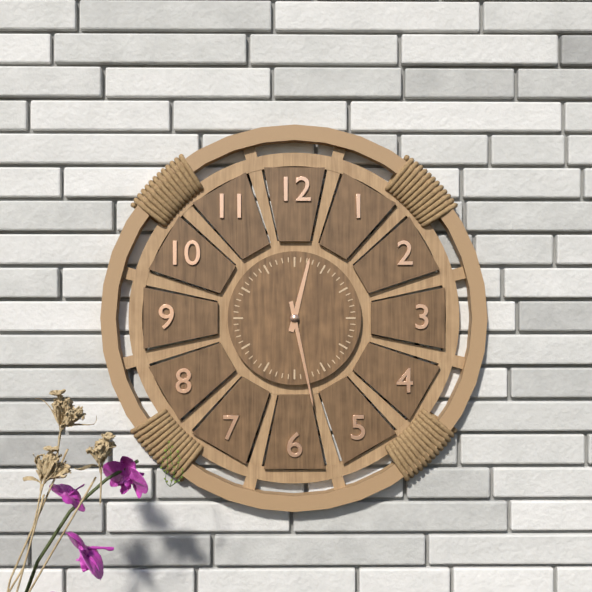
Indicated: 12 h 28 min
